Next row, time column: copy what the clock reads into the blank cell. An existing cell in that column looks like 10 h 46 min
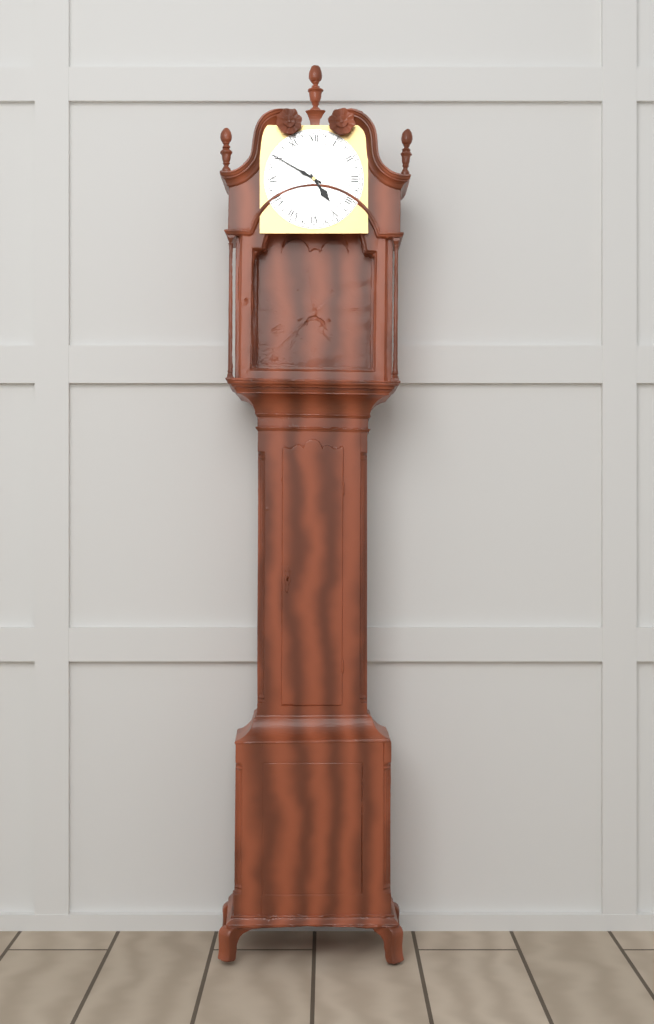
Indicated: 4 h 50 min
